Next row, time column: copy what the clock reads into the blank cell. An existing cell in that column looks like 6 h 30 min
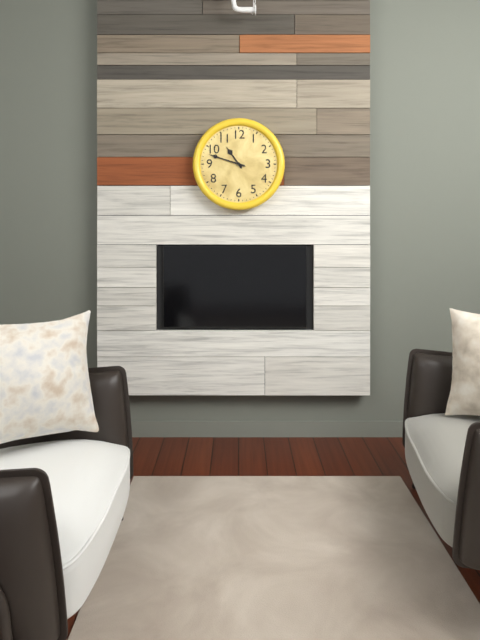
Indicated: 10 h 48 min
